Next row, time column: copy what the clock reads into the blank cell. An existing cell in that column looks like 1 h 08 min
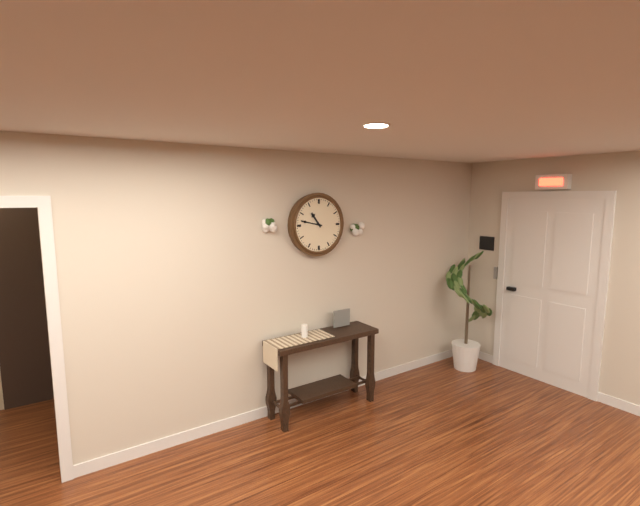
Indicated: 10 h 47 min
